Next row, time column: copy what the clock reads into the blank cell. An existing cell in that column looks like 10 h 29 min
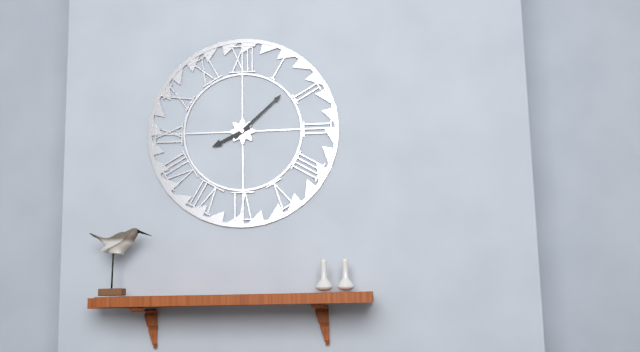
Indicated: 8 h 08 min
